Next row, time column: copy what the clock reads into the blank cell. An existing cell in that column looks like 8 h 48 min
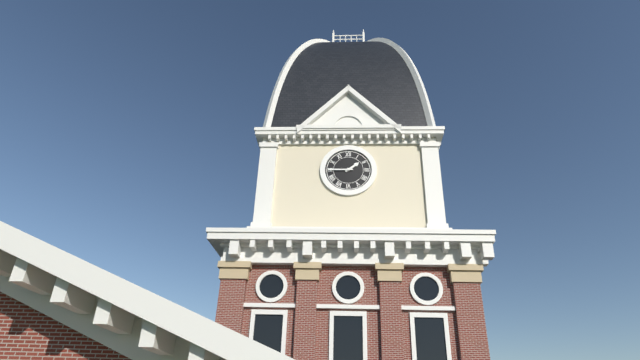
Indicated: 1 h 45 min
